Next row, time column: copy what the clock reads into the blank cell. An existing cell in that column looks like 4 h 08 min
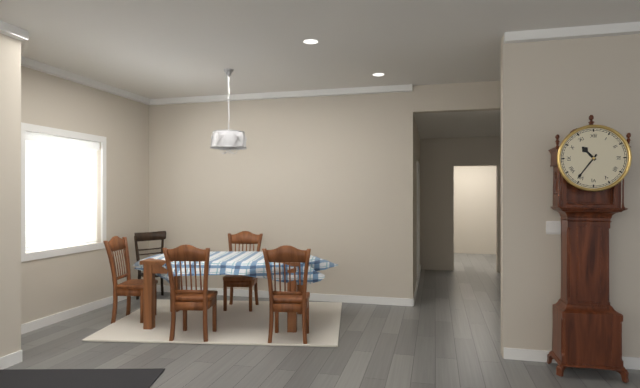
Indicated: 10 h 36 min
